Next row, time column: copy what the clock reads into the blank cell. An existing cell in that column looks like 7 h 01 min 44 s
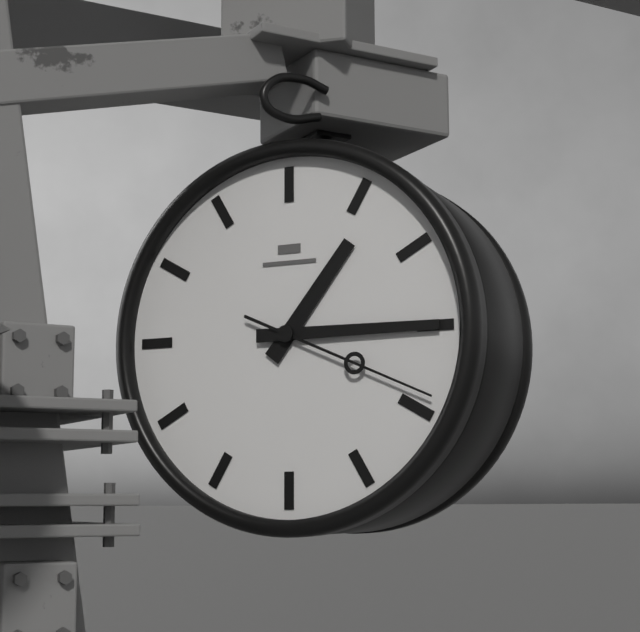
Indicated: 1 h 15 min 19 s
